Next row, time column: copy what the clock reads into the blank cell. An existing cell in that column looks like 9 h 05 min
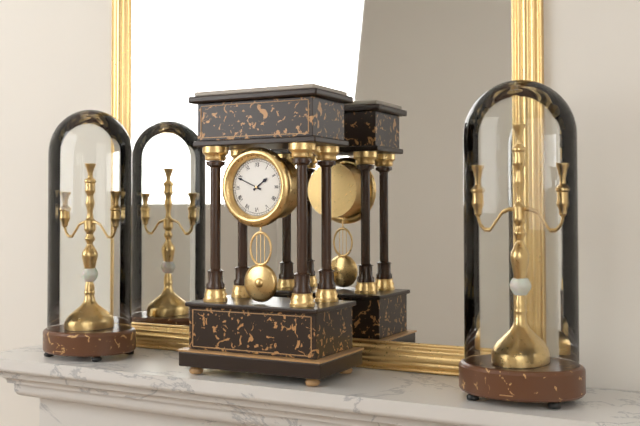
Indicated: 1 h 49 min
